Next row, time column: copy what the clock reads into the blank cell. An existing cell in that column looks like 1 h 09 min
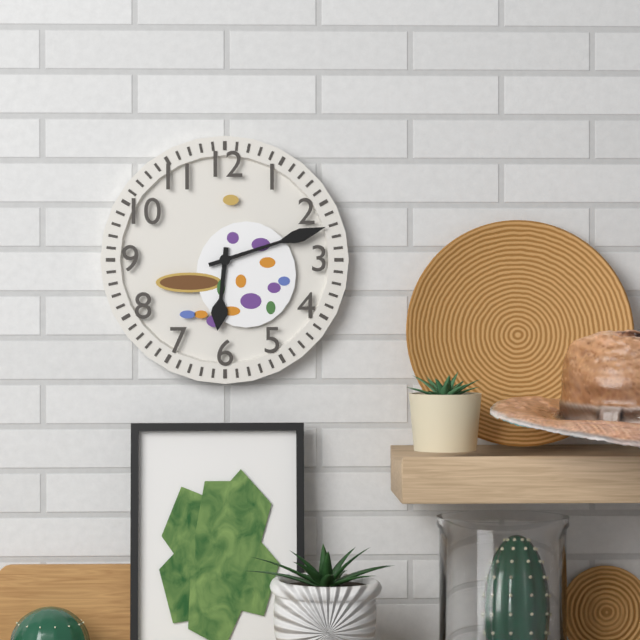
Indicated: 6 h 12 min
